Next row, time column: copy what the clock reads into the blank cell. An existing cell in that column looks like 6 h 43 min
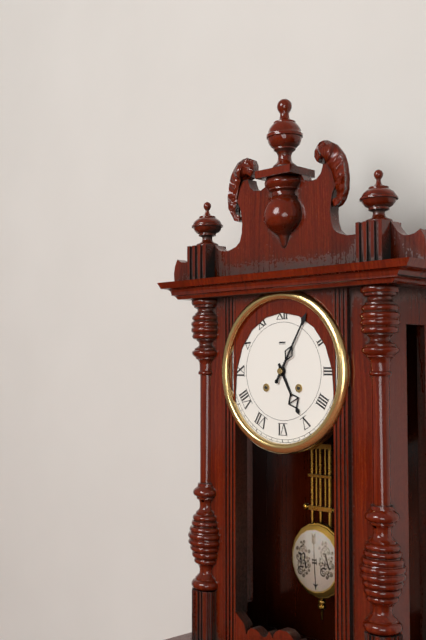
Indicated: 5 h 05 min
